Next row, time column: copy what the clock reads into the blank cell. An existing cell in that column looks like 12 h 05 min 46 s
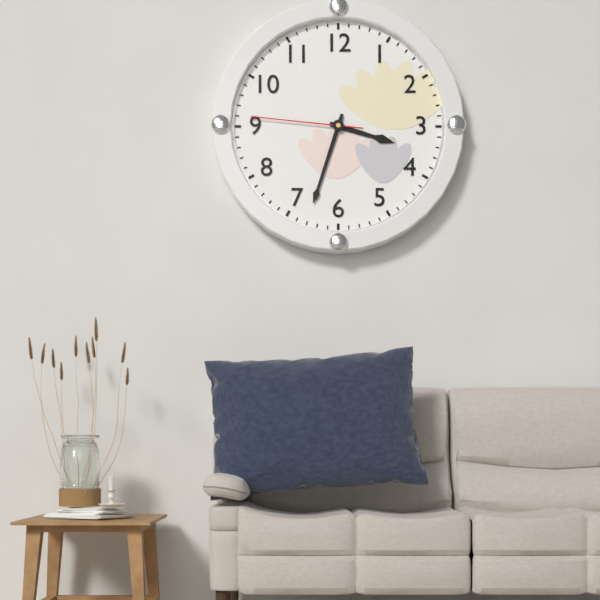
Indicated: 3 h 33 min 46 s
